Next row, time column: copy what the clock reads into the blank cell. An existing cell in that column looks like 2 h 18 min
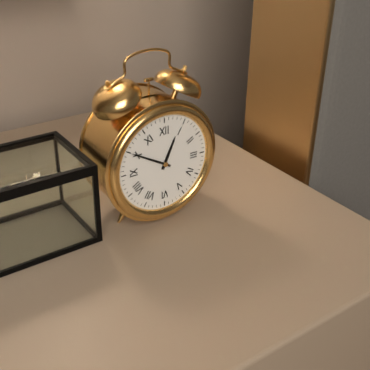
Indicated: 12 h 50 min
